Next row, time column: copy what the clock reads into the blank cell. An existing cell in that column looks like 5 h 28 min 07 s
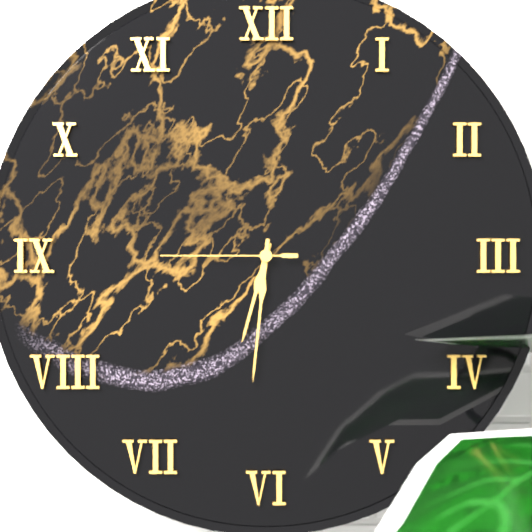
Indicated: 6 h 31 min 45 s
